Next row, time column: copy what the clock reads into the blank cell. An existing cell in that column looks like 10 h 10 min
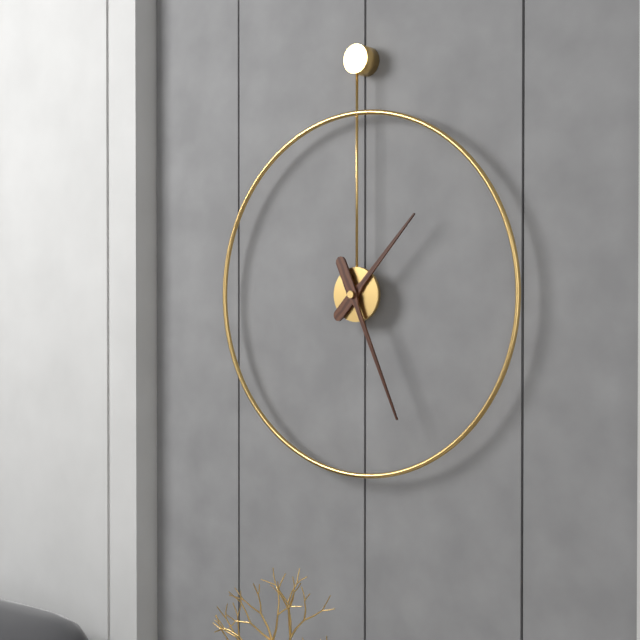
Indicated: 1 h 26 min
